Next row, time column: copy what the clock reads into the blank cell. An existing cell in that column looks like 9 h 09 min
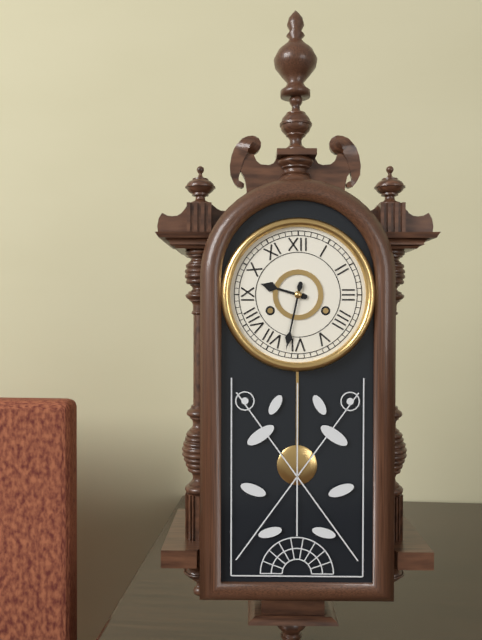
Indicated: 9 h 32 min
